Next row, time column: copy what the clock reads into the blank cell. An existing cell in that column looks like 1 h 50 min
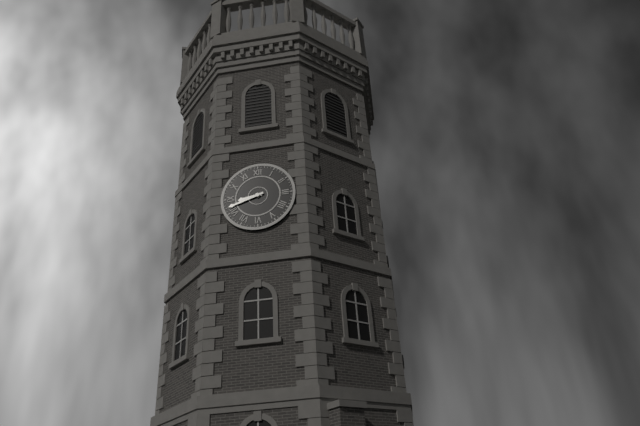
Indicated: 8 h 42 min
